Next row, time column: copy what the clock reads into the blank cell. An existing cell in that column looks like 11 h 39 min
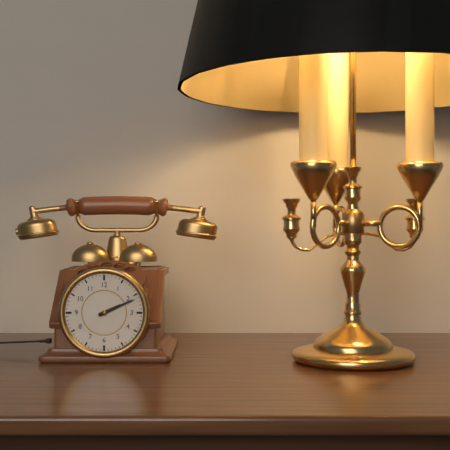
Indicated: 2 h 11 min
